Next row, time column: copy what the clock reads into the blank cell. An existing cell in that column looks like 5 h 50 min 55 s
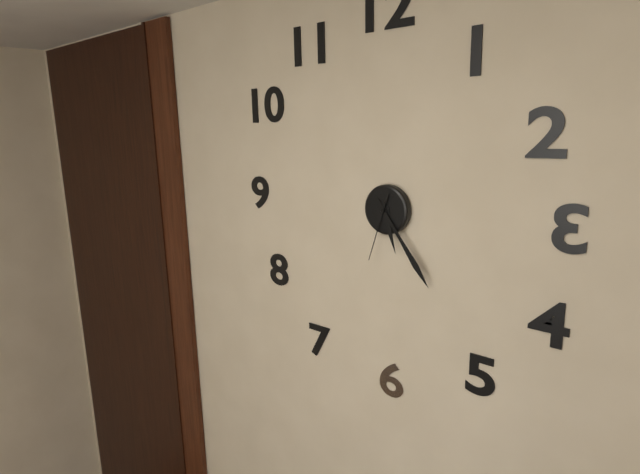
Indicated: 5 h 24 min 33 s
